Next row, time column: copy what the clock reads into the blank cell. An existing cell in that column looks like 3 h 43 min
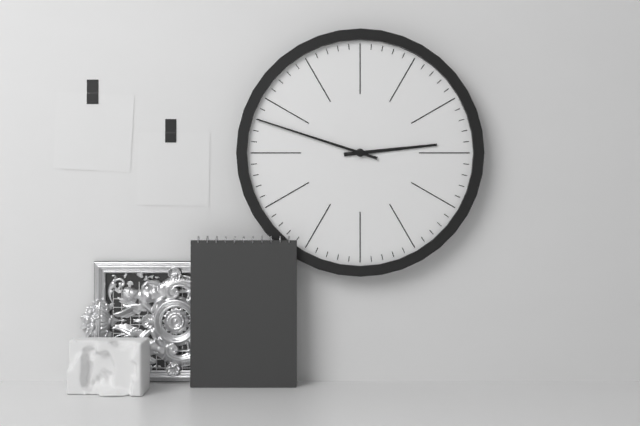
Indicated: 2 h 48 min
